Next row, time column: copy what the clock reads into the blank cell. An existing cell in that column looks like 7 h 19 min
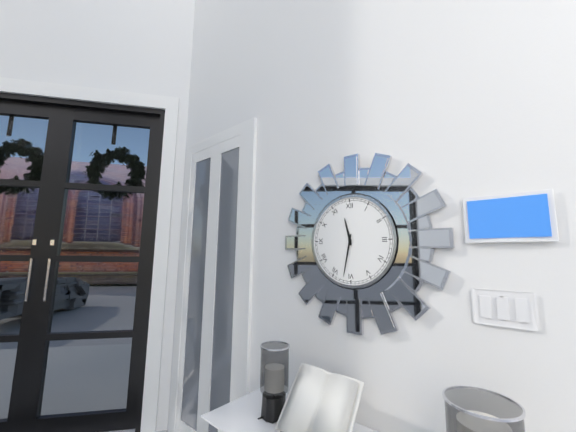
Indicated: 11 h 32 min
